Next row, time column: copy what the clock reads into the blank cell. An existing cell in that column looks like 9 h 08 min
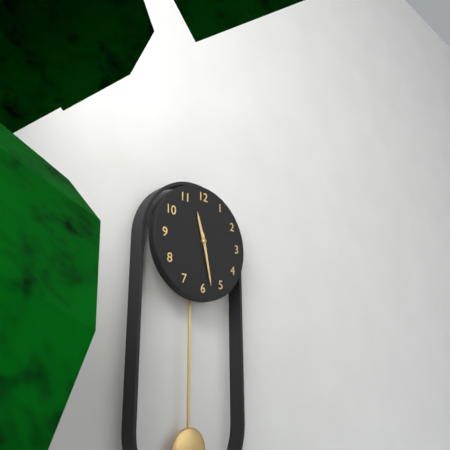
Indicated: 11 h 28 min
